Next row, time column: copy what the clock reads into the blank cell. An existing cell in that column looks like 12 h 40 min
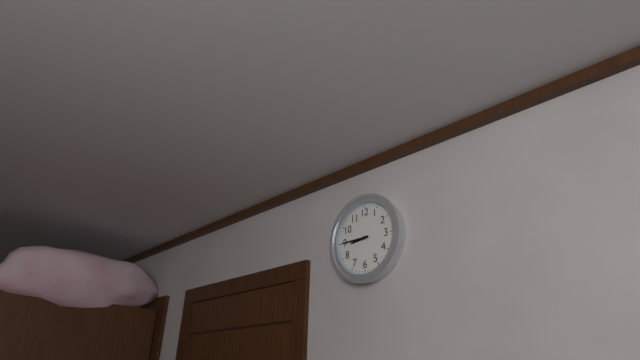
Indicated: 8 h 45 min
